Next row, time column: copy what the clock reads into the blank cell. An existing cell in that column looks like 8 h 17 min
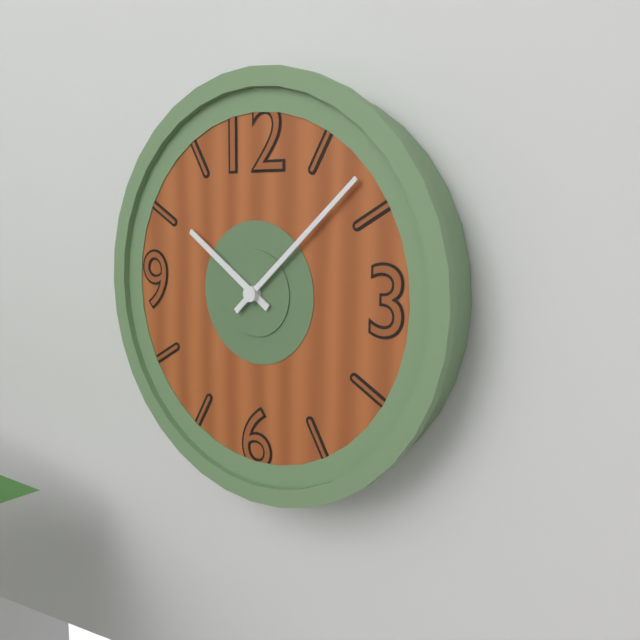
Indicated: 10 h 08 min
